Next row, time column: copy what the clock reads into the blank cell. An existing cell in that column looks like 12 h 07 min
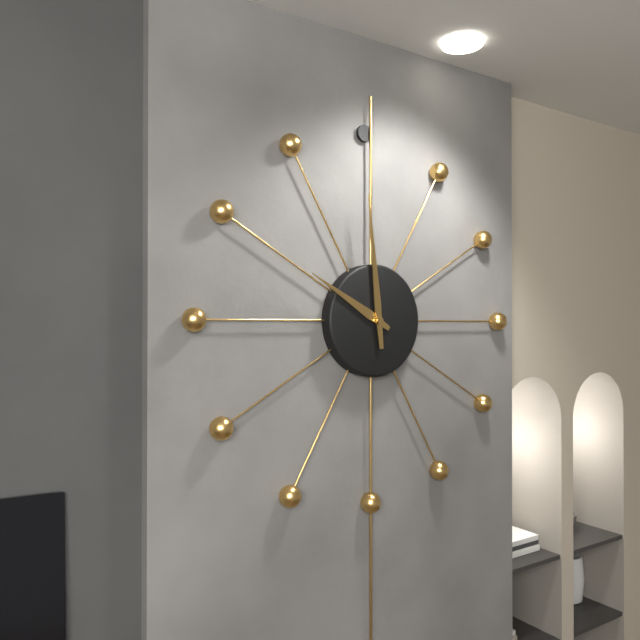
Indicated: 9 h 59 min
